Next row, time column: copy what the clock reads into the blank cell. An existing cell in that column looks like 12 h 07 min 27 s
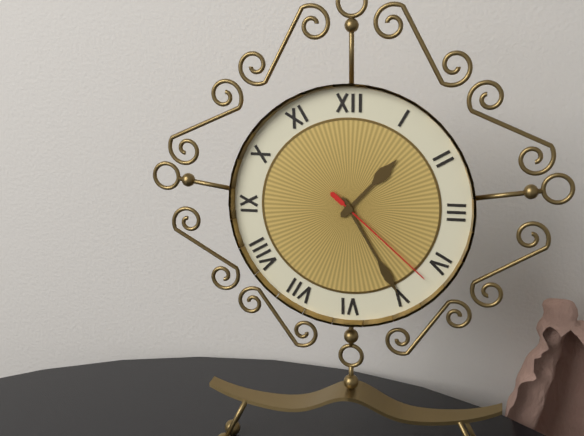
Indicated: 1 h 25 min 22 s
